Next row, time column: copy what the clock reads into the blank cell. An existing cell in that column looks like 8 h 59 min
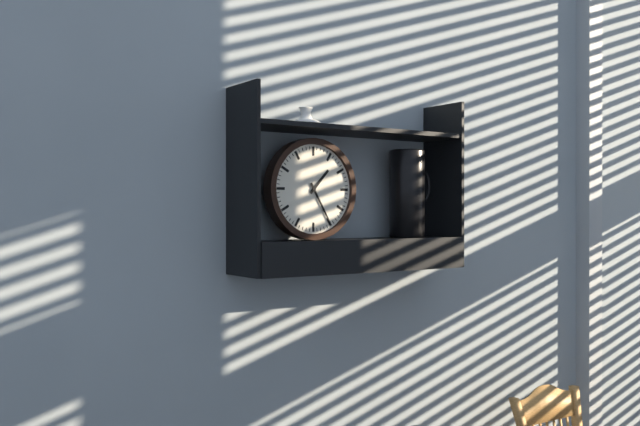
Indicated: 1 h 25 min
